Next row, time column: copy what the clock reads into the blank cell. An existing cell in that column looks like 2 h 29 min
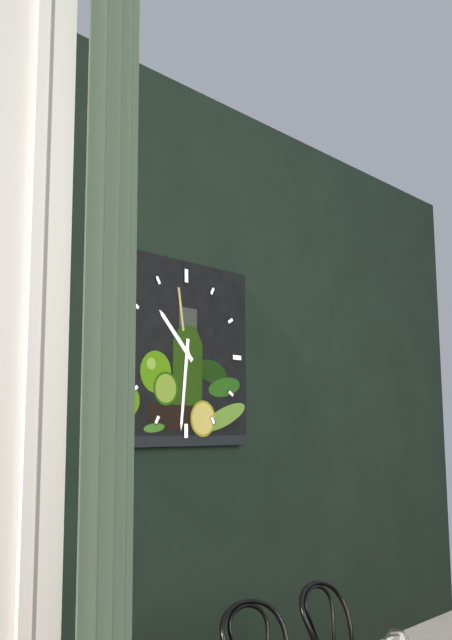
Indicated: 10 h 31 min
